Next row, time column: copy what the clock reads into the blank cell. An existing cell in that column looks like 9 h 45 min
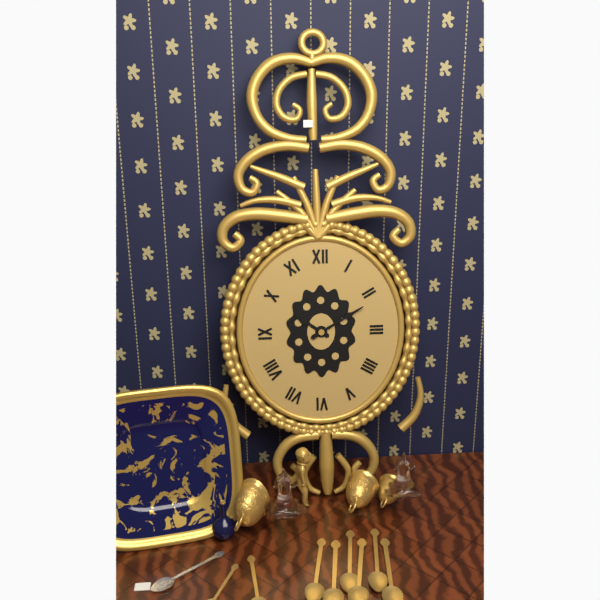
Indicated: 10 h 10 min
